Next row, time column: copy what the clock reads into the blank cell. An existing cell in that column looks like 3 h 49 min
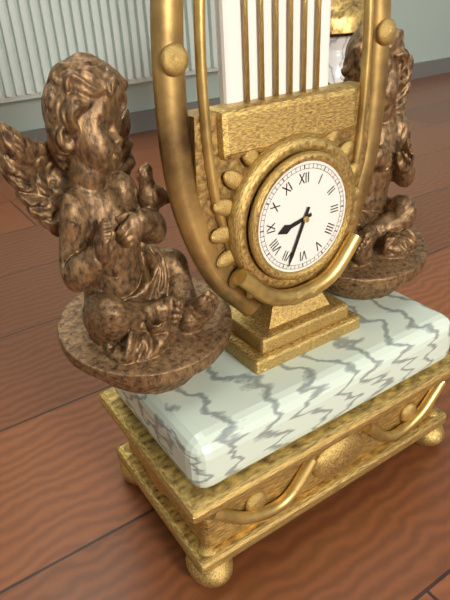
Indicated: 8 h 34 min
